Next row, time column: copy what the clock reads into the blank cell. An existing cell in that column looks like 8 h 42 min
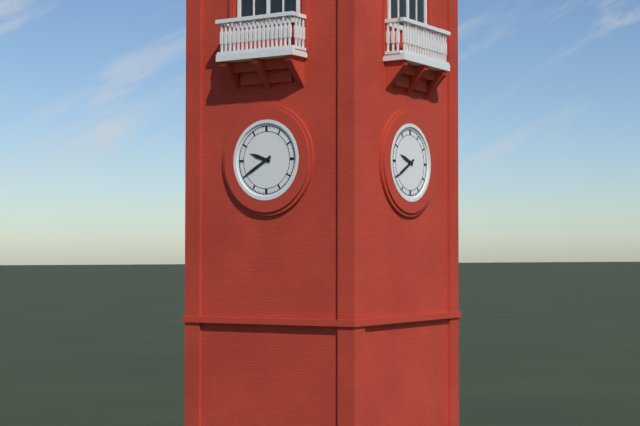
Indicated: 9 h 40 min
